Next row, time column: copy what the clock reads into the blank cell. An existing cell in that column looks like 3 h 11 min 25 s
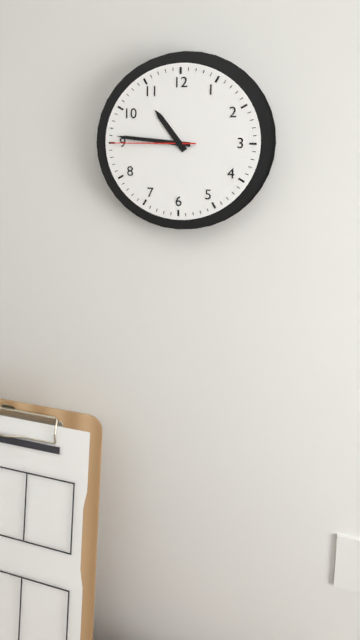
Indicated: 10 h 46 min 45 s
